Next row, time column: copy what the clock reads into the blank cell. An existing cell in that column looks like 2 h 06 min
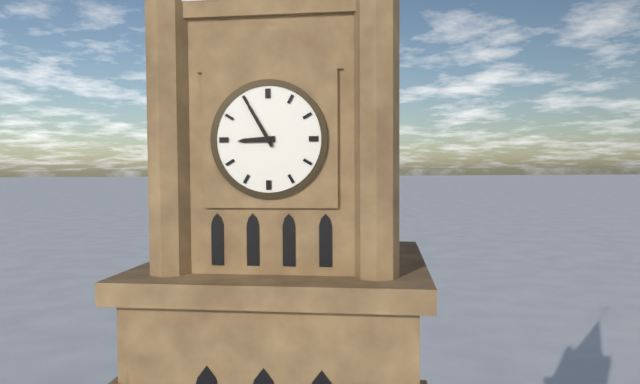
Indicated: 8 h 55 min
